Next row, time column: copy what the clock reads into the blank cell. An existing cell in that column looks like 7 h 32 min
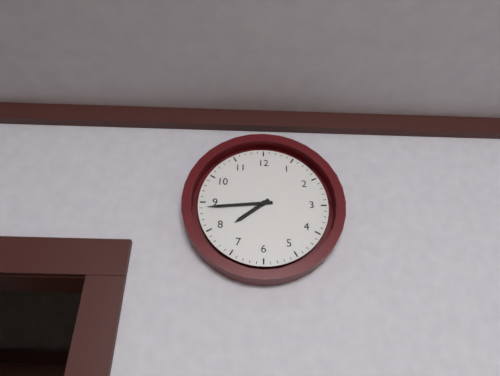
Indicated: 7 h 44 min
